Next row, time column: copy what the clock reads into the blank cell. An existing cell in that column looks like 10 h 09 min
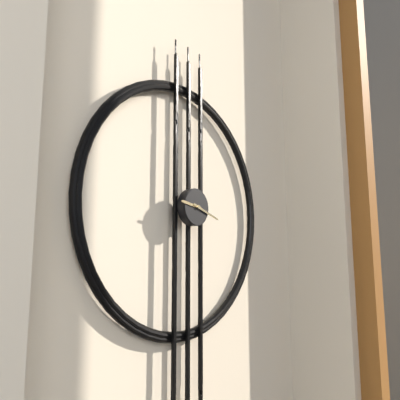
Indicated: 9 h 18 min
